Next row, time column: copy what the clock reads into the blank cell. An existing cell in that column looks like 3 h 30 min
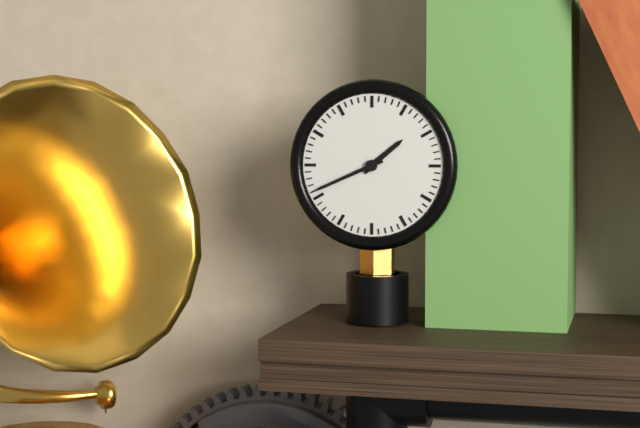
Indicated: 1 h 41 min
